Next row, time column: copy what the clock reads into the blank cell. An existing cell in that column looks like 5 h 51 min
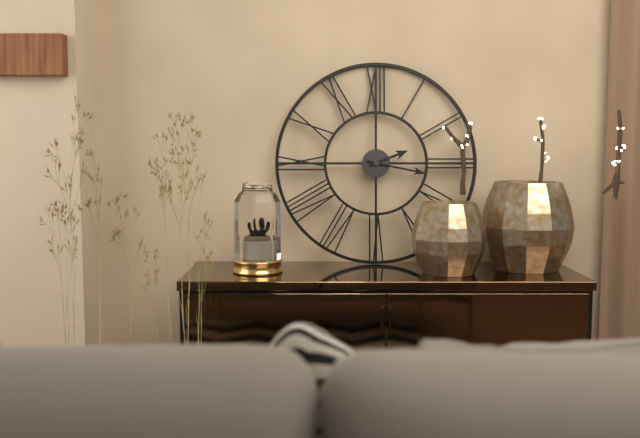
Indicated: 2 h 17 min
